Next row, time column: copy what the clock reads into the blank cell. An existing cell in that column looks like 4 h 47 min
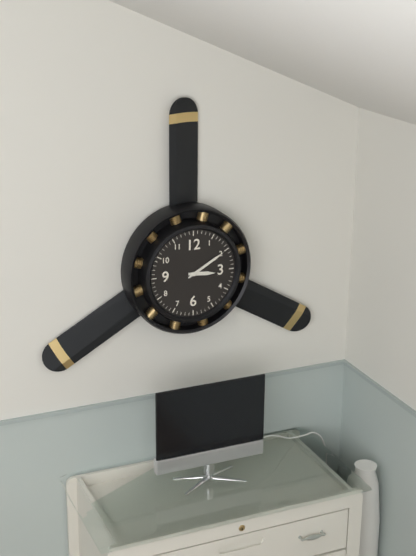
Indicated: 3 h 10 min
